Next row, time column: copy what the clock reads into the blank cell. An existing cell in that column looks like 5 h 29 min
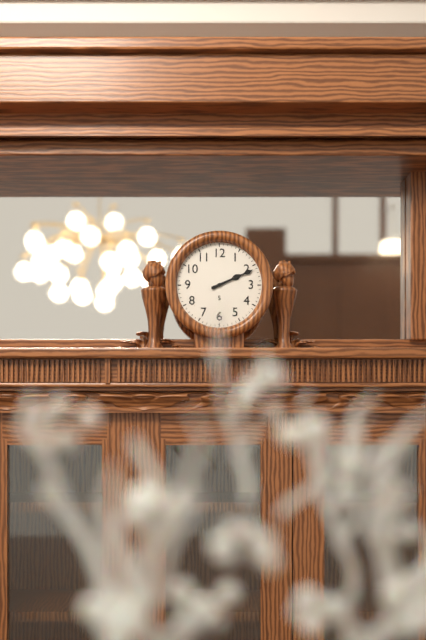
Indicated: 2 h 11 min
